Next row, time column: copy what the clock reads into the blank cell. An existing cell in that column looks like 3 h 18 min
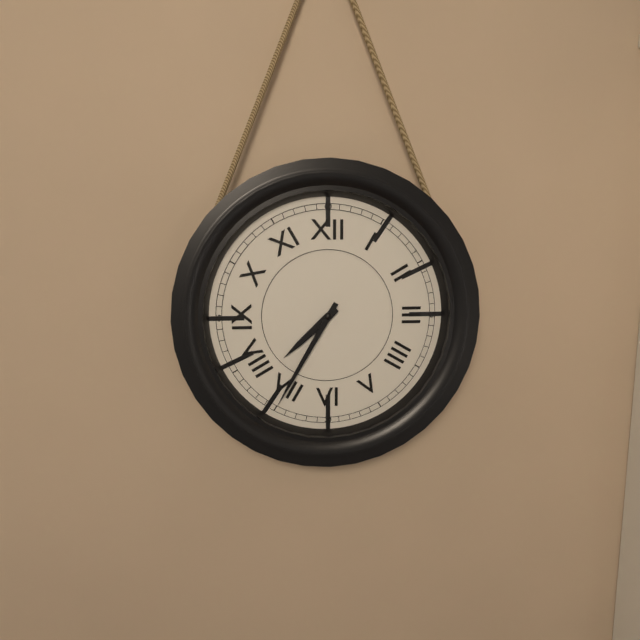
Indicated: 7 h 35 min
